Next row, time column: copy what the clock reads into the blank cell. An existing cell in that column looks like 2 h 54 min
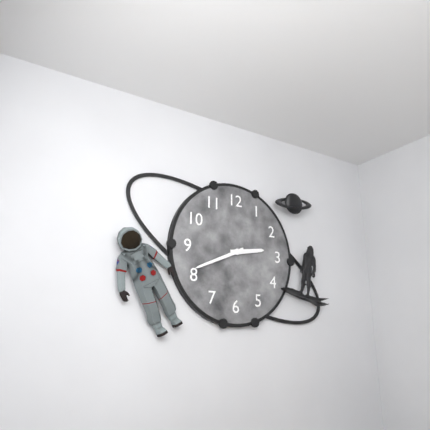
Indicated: 2 h 41 min
